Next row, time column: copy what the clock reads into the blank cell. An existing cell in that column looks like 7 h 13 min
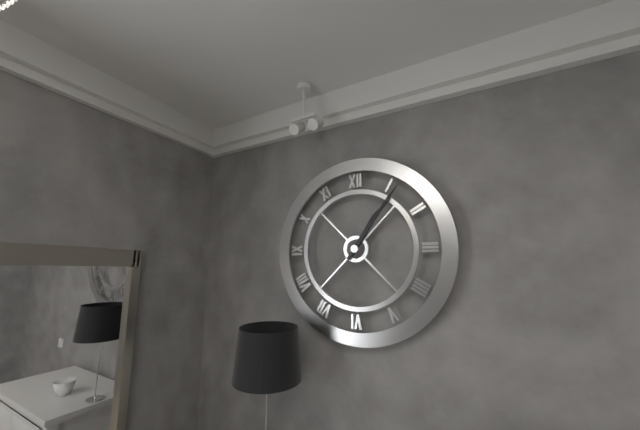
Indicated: 1 h 06 min
